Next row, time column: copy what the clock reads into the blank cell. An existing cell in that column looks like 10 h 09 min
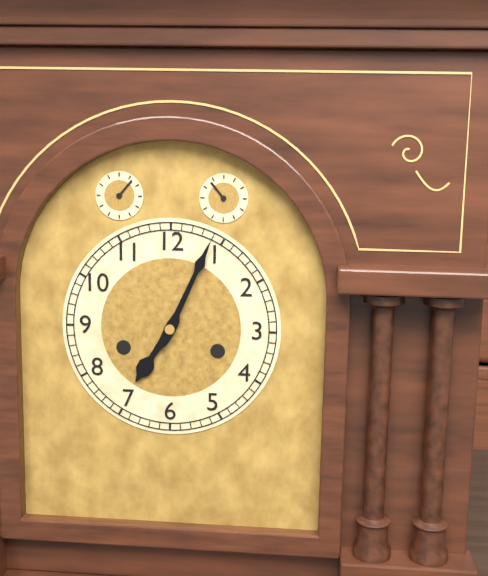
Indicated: 7 h 04 min
